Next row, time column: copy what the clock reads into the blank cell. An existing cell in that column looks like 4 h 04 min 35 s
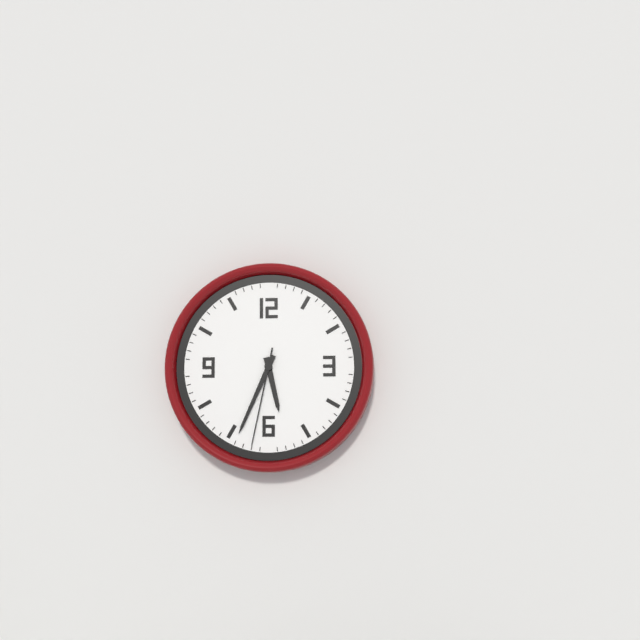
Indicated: 5 h 34 min 32 s
